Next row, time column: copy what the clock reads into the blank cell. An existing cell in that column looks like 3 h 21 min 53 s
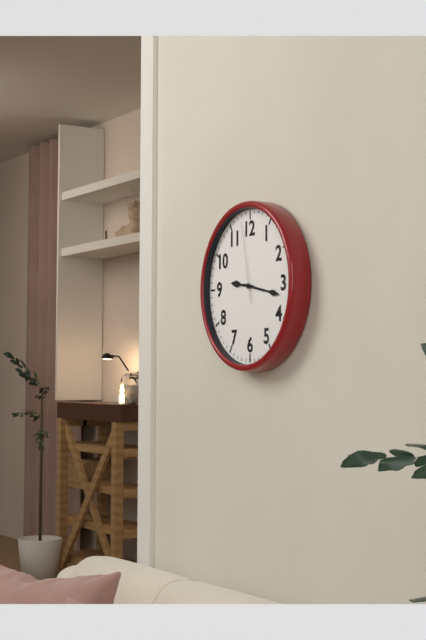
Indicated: 9 h 17 min 58 s
